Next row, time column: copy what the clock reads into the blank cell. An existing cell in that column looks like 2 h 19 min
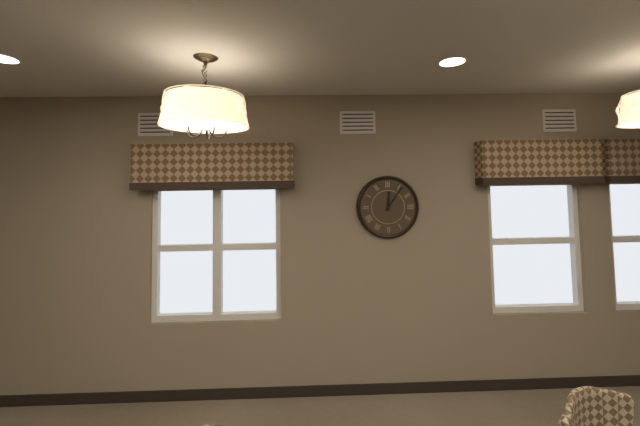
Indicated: 12 h 06 min
